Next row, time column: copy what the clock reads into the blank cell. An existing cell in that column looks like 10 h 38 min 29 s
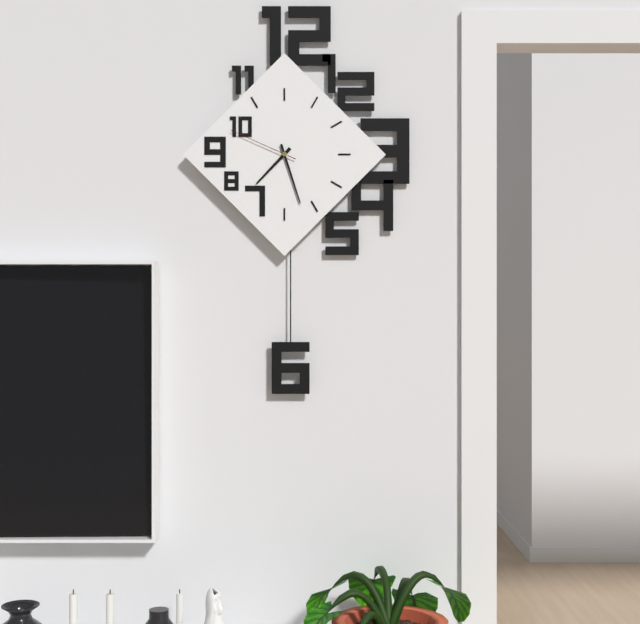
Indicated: 7 h 27 min 49 s
